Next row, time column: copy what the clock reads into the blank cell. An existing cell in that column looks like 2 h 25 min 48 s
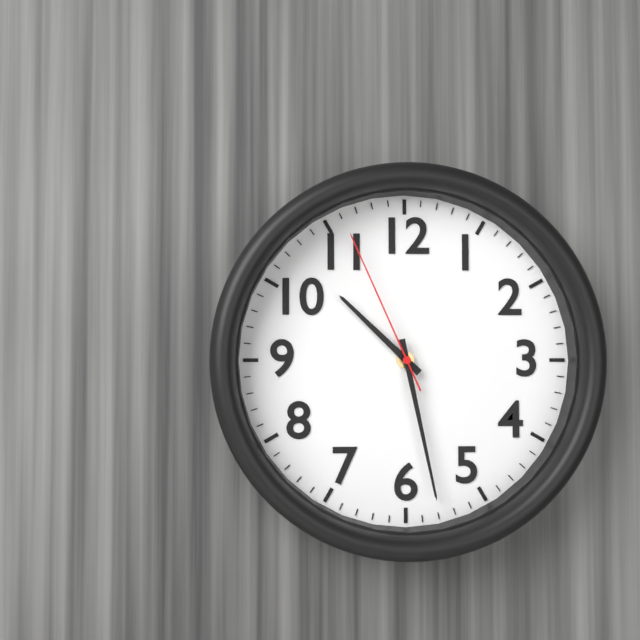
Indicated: 10 h 28 min 56 s
